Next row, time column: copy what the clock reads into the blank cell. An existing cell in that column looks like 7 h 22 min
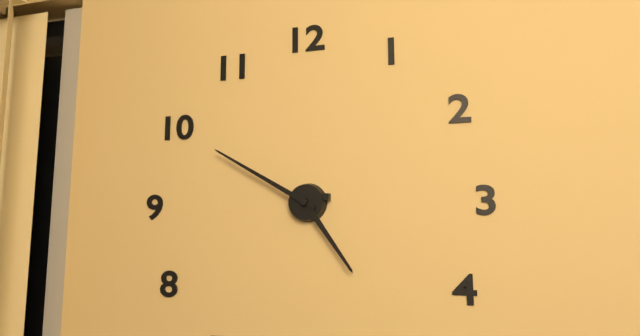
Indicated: 4 h 50 min
